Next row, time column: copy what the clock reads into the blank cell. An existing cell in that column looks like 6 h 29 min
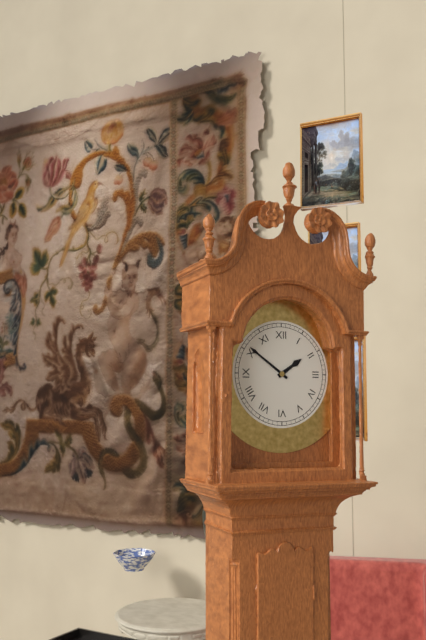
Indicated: 1 h 51 min
